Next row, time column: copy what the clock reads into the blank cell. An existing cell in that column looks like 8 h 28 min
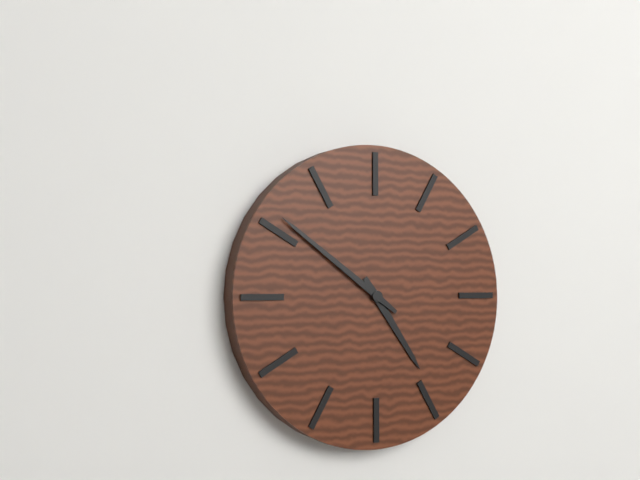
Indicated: 4 h 51 min
